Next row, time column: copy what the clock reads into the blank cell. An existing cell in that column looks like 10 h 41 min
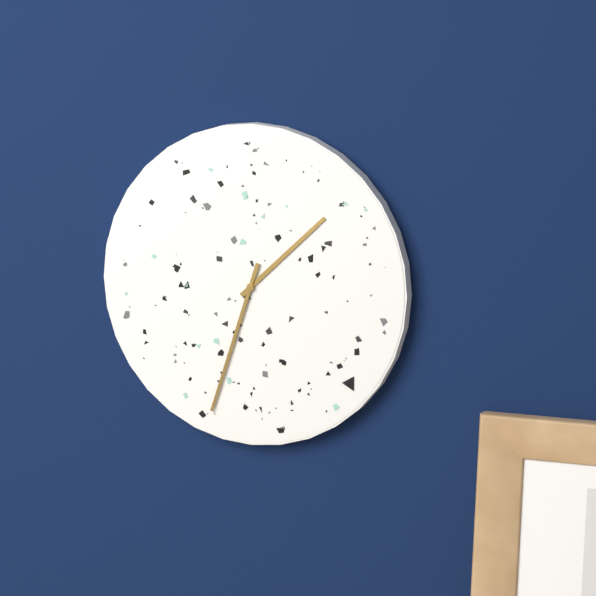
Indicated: 1 h 33 min
